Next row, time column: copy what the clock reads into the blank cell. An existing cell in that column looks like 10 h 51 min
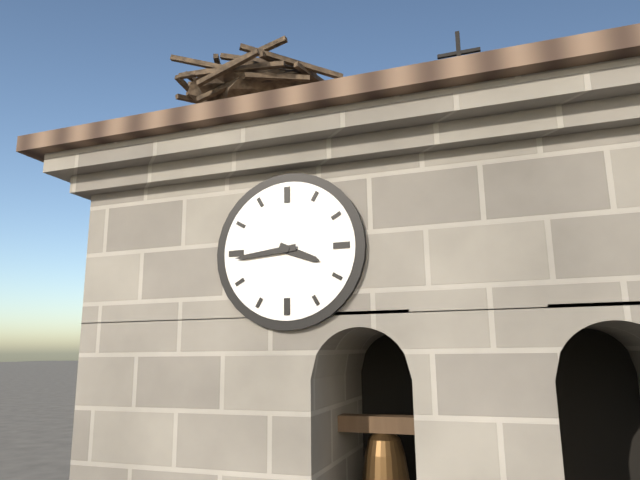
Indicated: 3 h 44 min
